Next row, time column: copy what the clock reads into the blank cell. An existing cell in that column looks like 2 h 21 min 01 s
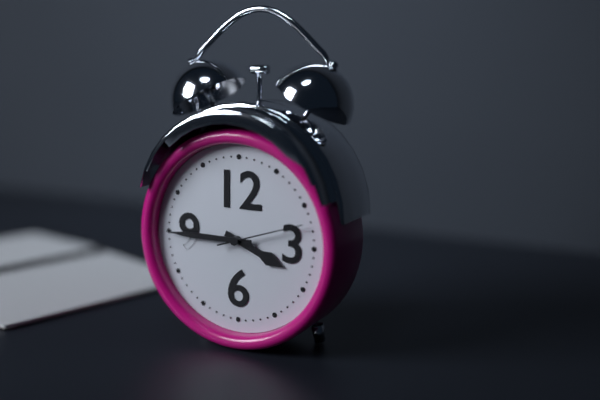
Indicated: 3 h 45 min 12 s
